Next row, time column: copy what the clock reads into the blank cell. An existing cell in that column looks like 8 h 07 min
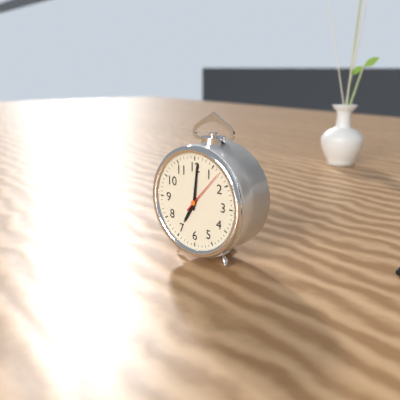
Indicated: 7 h 01 min
